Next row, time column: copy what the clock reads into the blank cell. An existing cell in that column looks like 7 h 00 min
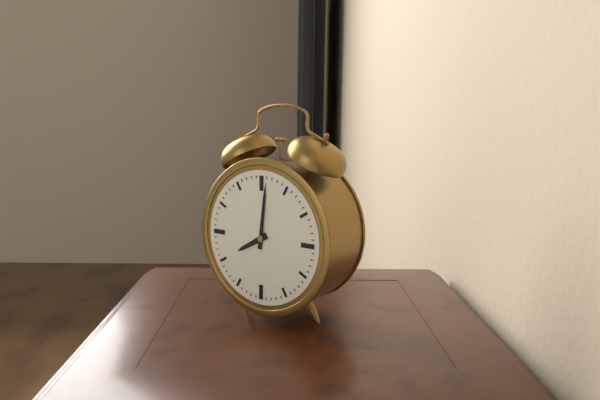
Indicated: 8 h 01 min
